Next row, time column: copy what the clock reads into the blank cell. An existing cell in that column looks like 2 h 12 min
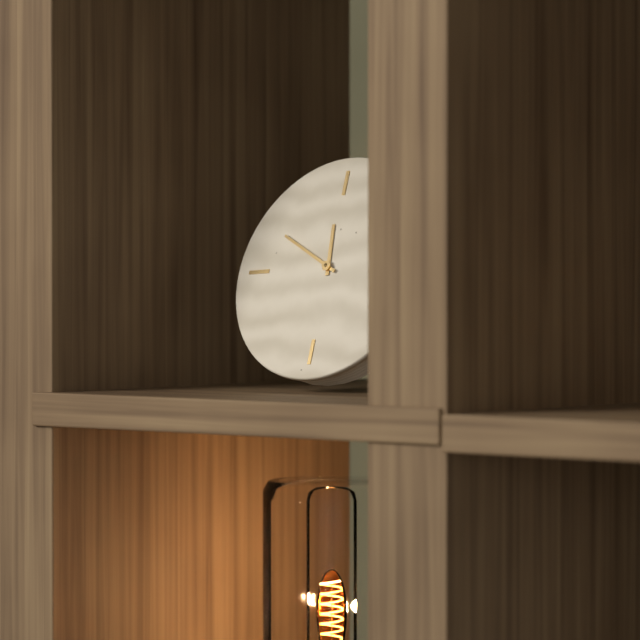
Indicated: 11 h 50 min
